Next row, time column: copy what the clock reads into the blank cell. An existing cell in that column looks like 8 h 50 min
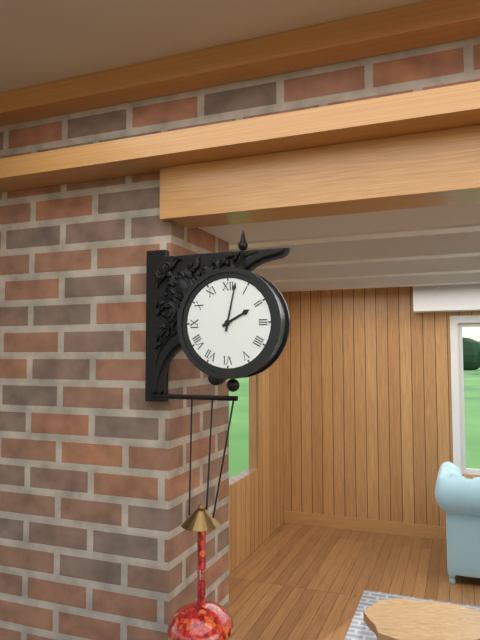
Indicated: 2 h 02 min
